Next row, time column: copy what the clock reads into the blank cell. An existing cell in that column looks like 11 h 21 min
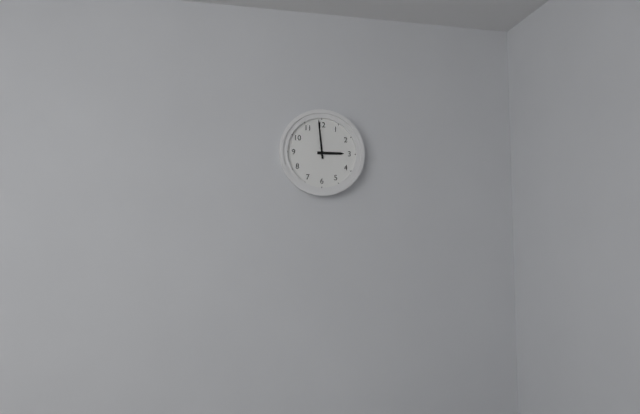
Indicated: 2 h 59 min
